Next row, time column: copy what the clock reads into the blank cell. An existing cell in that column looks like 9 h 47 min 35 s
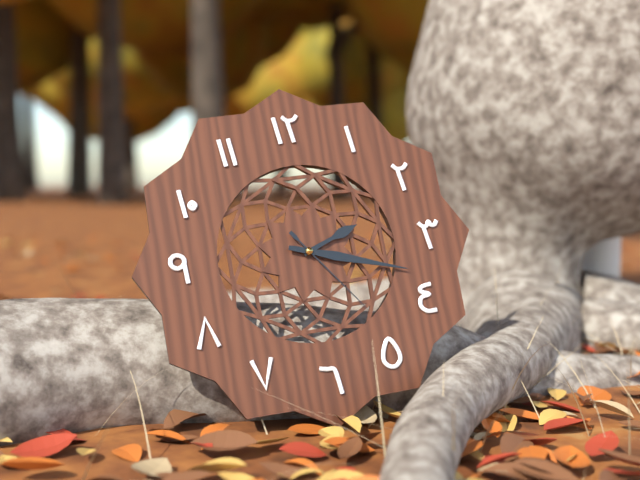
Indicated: 2 h 18 min 24 s
